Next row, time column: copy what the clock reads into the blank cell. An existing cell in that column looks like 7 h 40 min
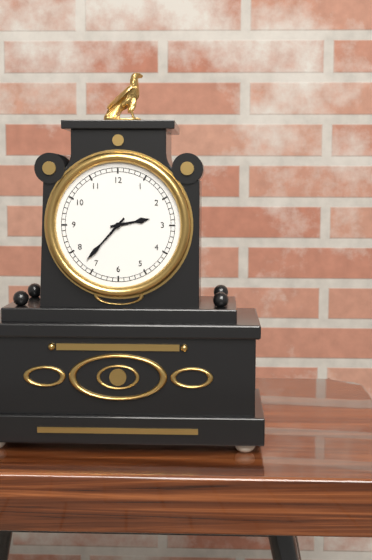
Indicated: 2 h 37 min
